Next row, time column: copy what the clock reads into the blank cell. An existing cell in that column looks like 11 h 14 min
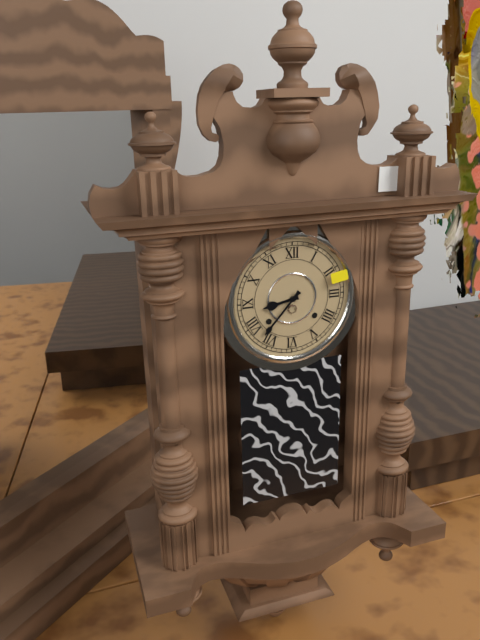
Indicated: 8 h 37 min
